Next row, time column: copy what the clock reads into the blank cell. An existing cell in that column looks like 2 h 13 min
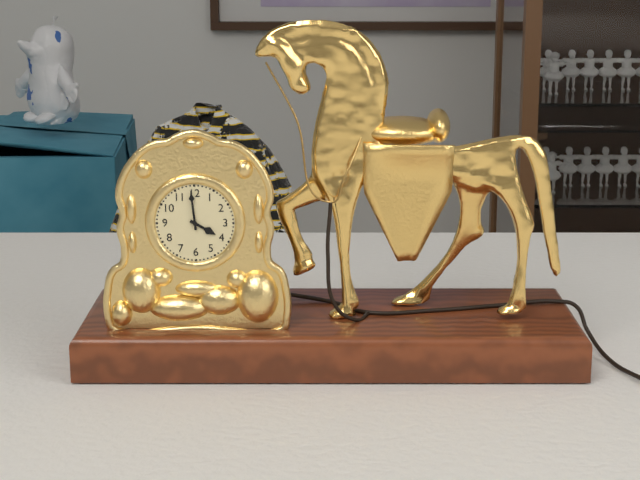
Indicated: 3 h 59 min
